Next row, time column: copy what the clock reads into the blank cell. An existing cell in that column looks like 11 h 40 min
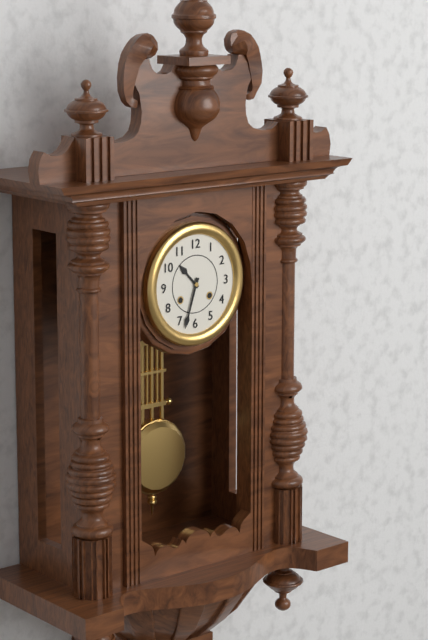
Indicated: 10 h 33 min
